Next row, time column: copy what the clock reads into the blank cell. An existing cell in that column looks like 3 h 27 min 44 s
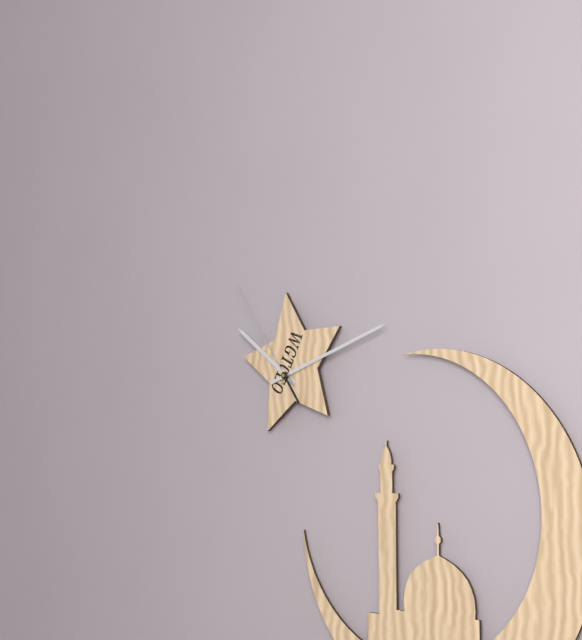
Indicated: 10 h 12 min 54 s
